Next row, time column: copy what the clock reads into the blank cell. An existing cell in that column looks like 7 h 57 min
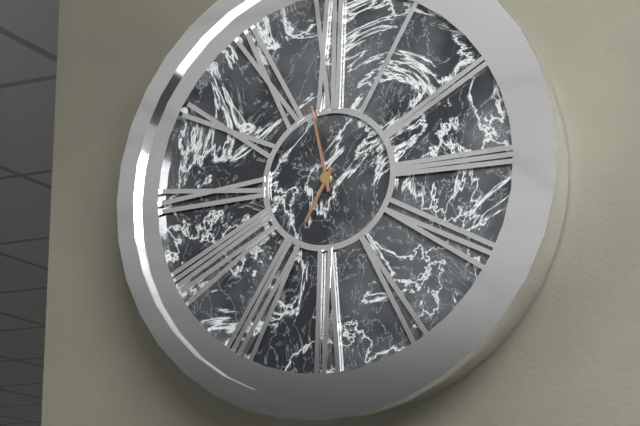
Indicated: 6 h 58 min
